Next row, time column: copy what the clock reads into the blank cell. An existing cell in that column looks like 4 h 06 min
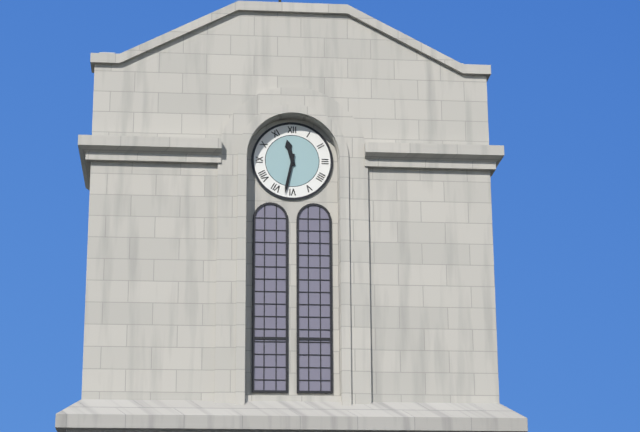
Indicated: 11 h 32 min
